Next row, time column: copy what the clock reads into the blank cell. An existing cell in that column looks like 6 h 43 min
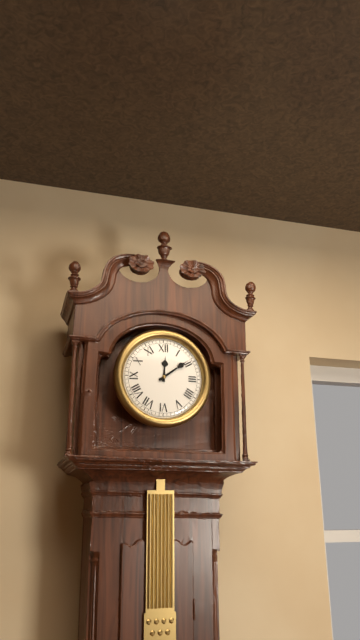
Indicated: 12 h 09 min
